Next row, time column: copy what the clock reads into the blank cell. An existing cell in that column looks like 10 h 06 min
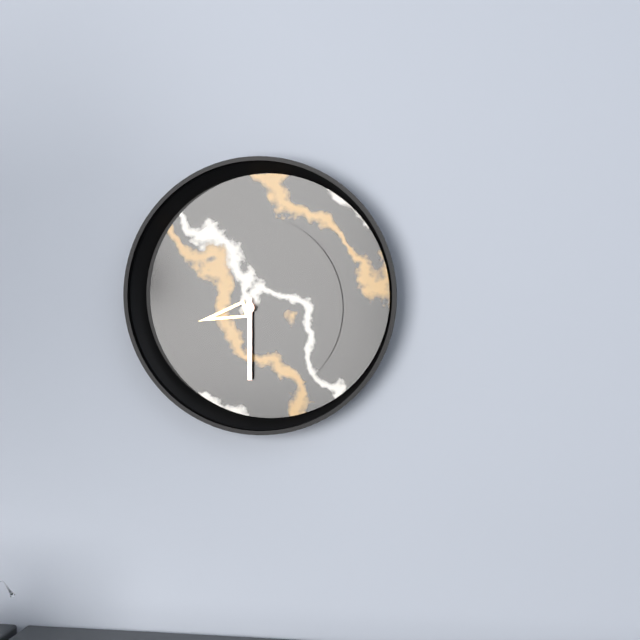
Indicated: 8 h 30 min
